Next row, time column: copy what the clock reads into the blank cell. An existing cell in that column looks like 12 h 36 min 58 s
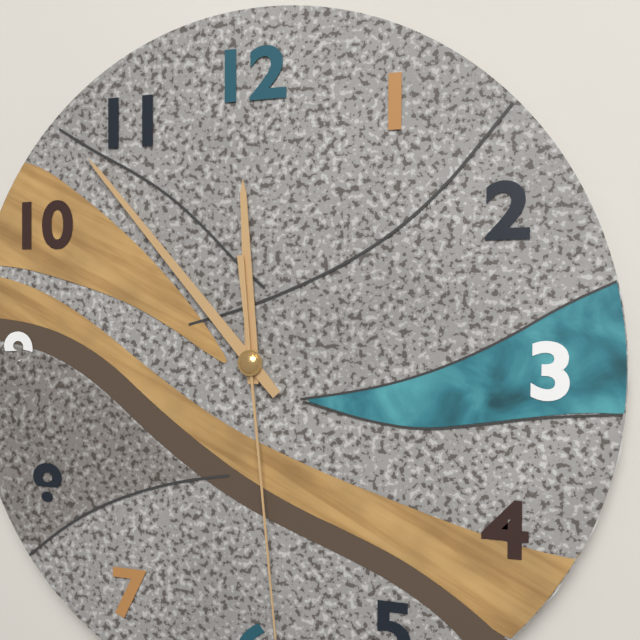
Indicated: 11 h 53 min 29 s
